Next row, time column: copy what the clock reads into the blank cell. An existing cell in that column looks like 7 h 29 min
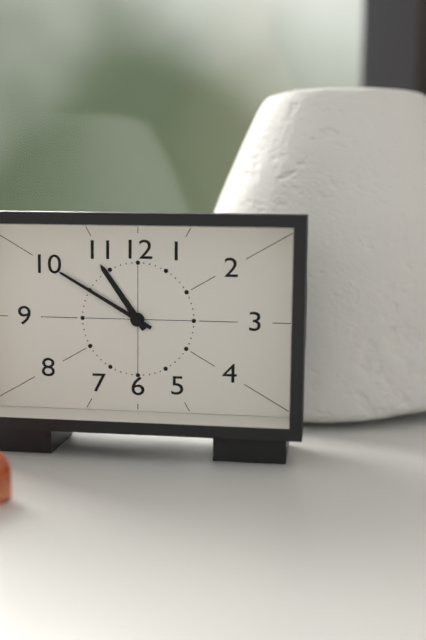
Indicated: 10 h 50 min
